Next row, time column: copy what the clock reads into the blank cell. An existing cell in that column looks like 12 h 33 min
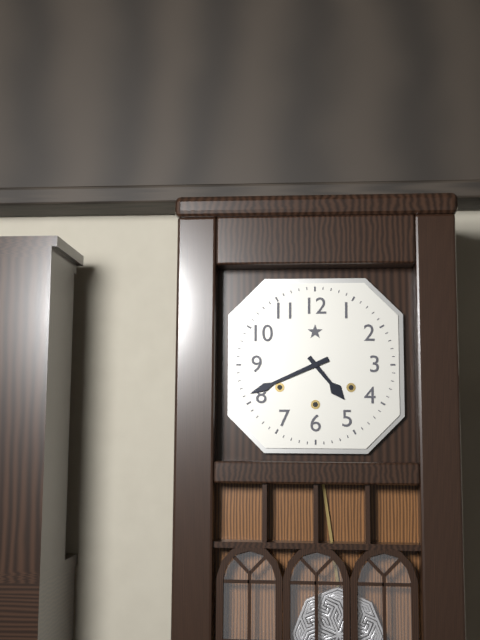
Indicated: 4 h 41 min
